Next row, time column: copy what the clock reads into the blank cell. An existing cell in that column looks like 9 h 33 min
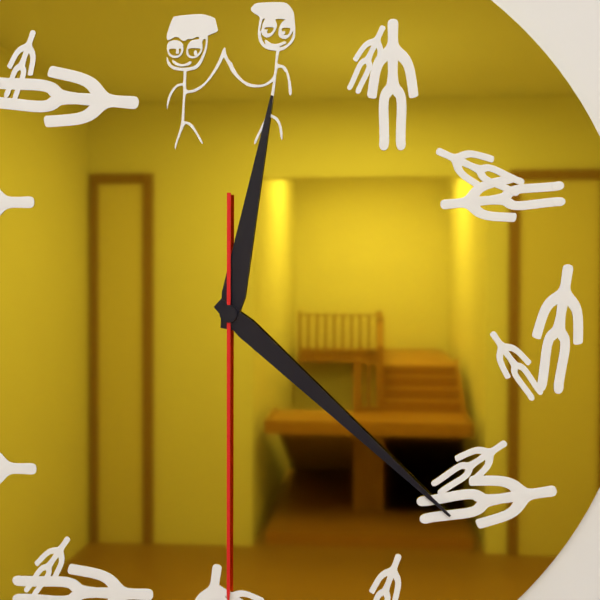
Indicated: 12 h 22 min
